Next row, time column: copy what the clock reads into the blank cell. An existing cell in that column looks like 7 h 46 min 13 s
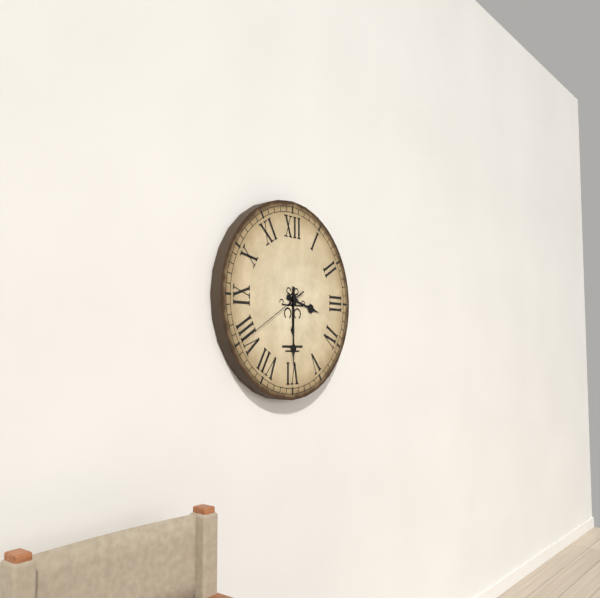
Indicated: 3 h 30 min 40 s
